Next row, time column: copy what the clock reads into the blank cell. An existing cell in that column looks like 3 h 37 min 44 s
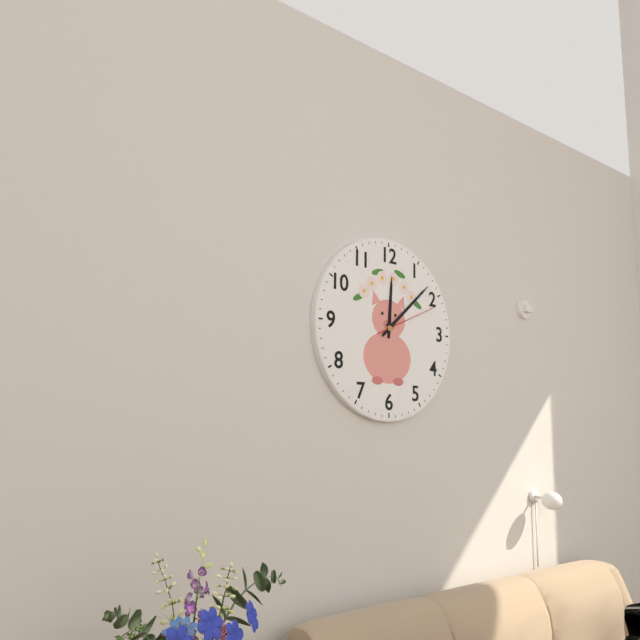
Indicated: 12 h 08 min 11 s
